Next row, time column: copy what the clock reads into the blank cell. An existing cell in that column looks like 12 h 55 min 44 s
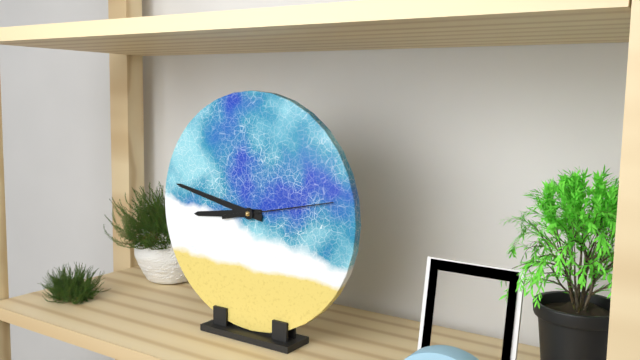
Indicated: 8 h 47 min 13 s
